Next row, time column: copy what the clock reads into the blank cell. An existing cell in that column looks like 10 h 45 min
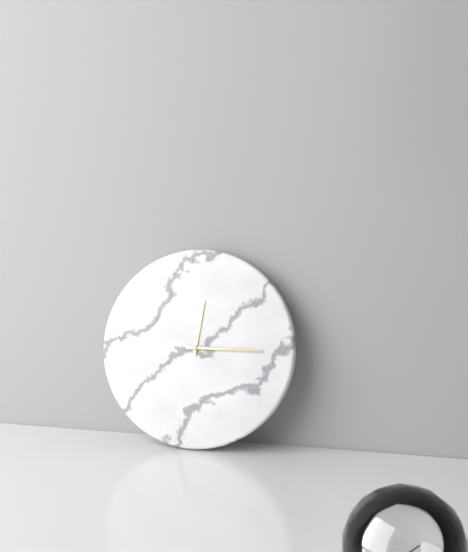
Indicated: 12 h 15 min
